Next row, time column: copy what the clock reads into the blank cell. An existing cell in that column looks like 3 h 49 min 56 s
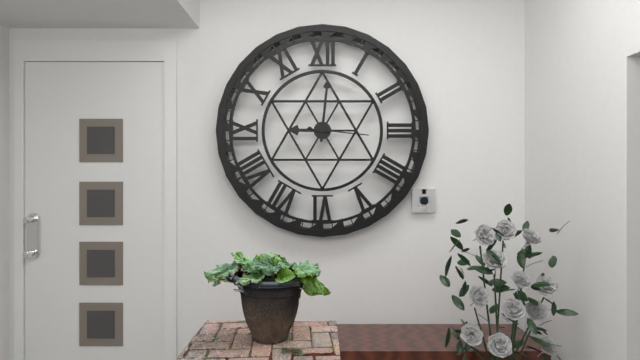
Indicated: 9 h 01 min 16 s
